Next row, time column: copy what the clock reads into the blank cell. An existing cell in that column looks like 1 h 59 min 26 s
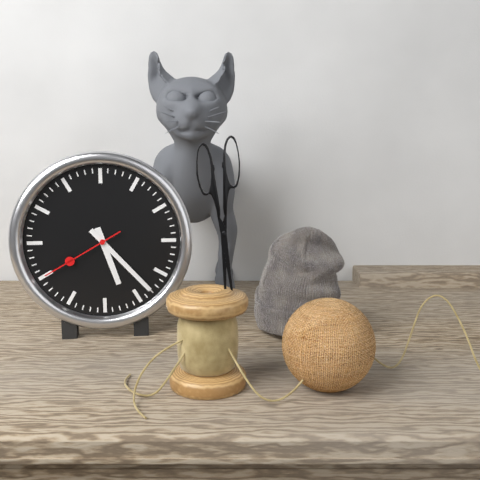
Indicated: 5 h 23 min 40 s
